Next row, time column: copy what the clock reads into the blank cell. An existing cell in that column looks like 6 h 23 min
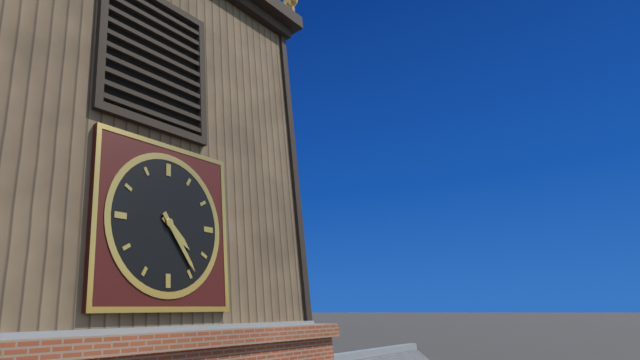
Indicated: 4 h 24 min
